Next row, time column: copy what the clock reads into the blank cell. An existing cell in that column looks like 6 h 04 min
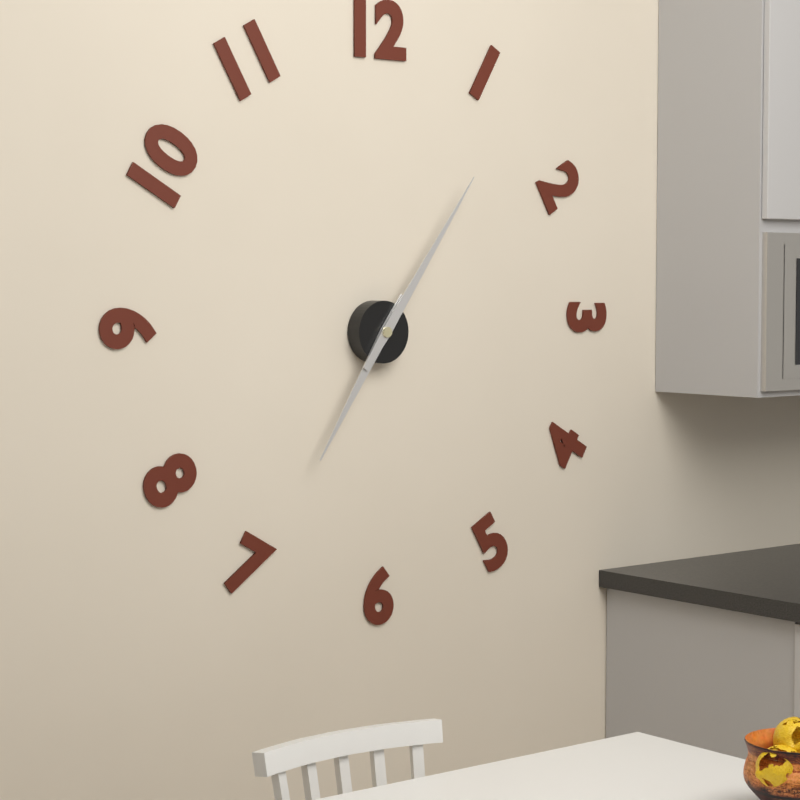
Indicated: 7 h 06 min
